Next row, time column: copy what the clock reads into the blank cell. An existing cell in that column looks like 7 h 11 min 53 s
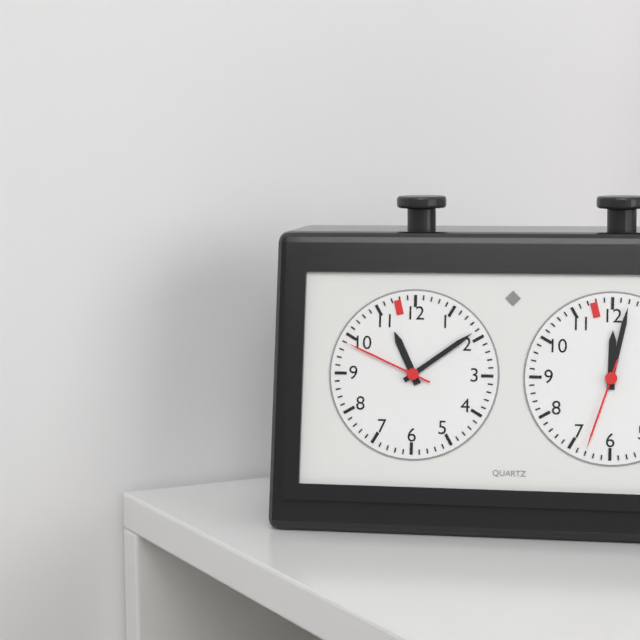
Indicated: 11 h 09 min 49 s
